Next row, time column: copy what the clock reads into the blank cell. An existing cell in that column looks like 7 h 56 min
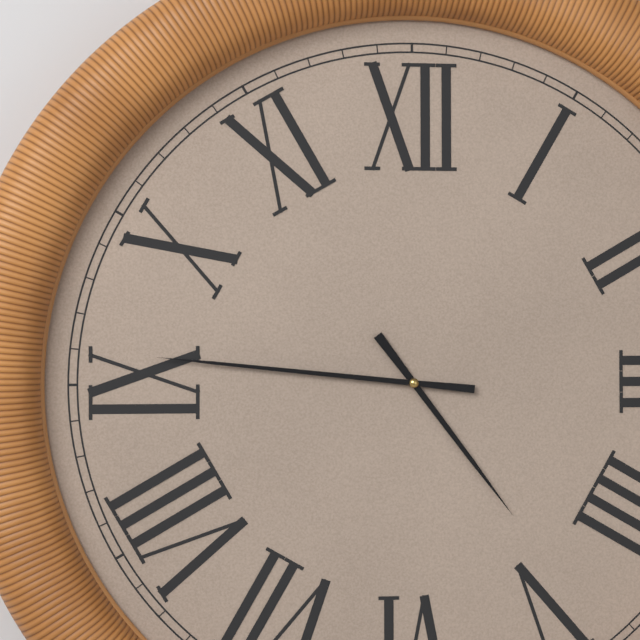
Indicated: 4 h 46 min
